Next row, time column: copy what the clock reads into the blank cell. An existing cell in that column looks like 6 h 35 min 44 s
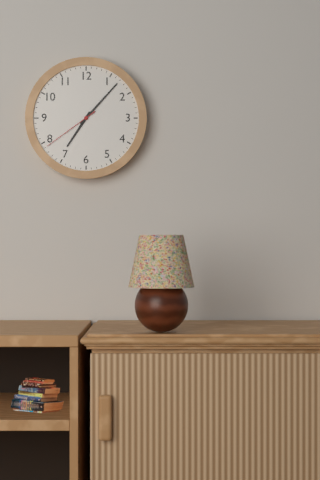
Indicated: 7 h 07 min 39 s
